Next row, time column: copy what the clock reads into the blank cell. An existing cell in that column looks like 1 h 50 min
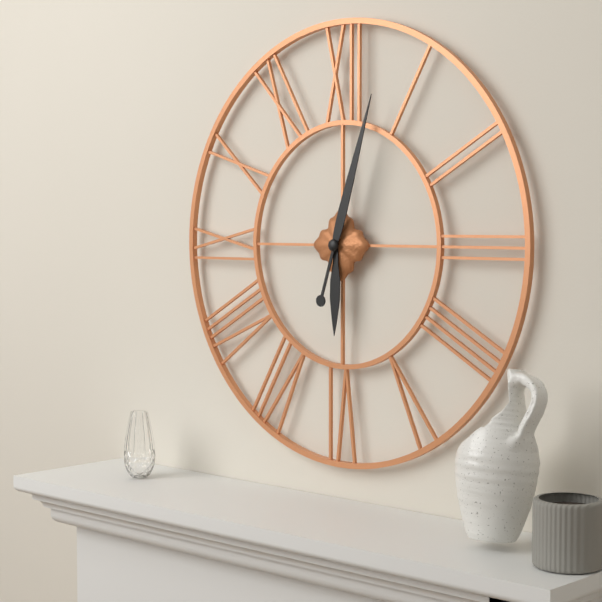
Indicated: 6 h 03 min
